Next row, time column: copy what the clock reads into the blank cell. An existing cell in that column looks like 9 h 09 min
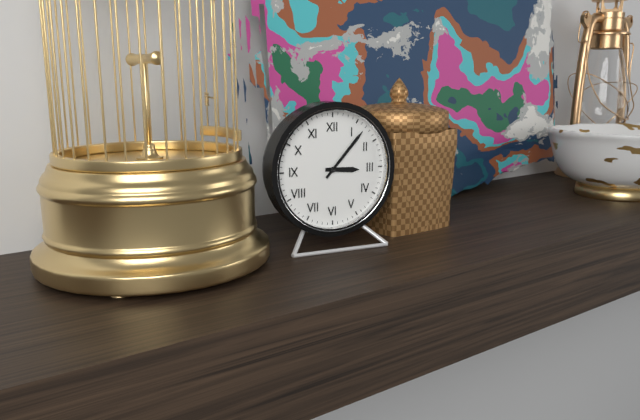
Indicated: 3 h 07 min
